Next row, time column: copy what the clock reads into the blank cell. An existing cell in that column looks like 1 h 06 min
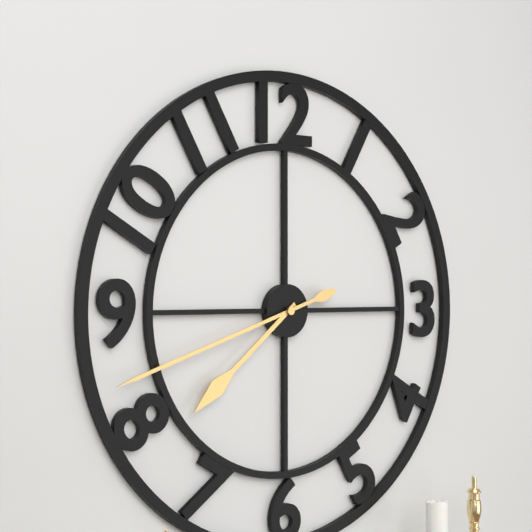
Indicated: 7 h 42 min
